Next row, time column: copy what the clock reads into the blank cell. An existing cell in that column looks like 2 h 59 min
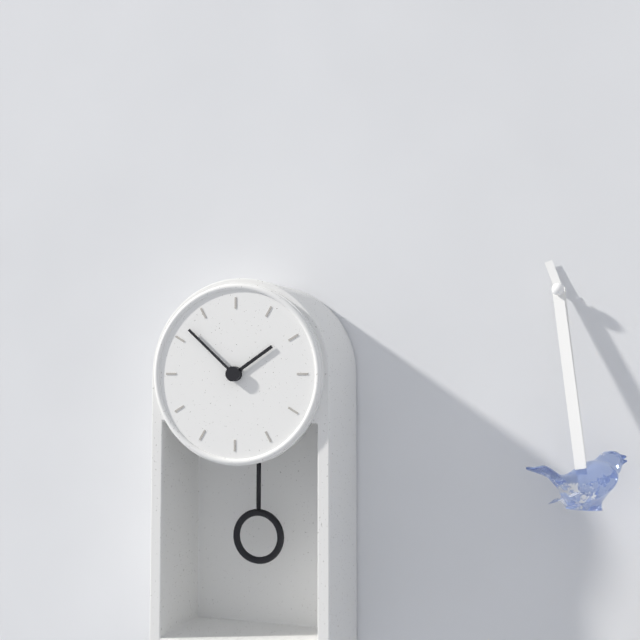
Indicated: 1 h 52 min
